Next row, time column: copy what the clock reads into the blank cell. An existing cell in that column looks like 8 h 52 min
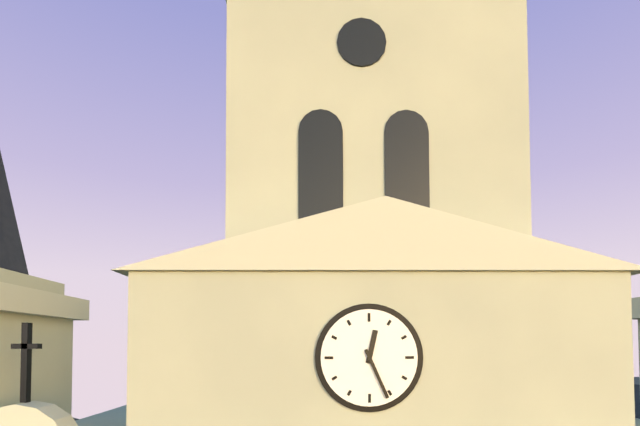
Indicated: 12 h 26 min
